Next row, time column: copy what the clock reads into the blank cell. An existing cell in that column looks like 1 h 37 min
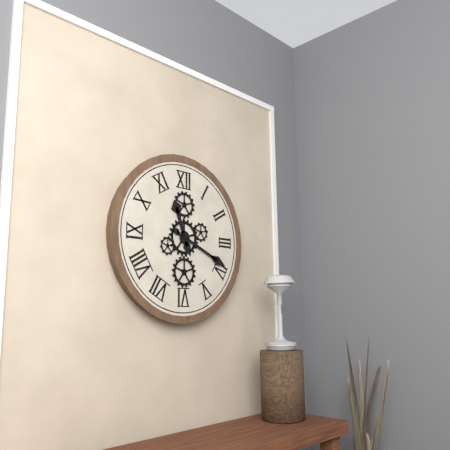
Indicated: 11 h 19 min
